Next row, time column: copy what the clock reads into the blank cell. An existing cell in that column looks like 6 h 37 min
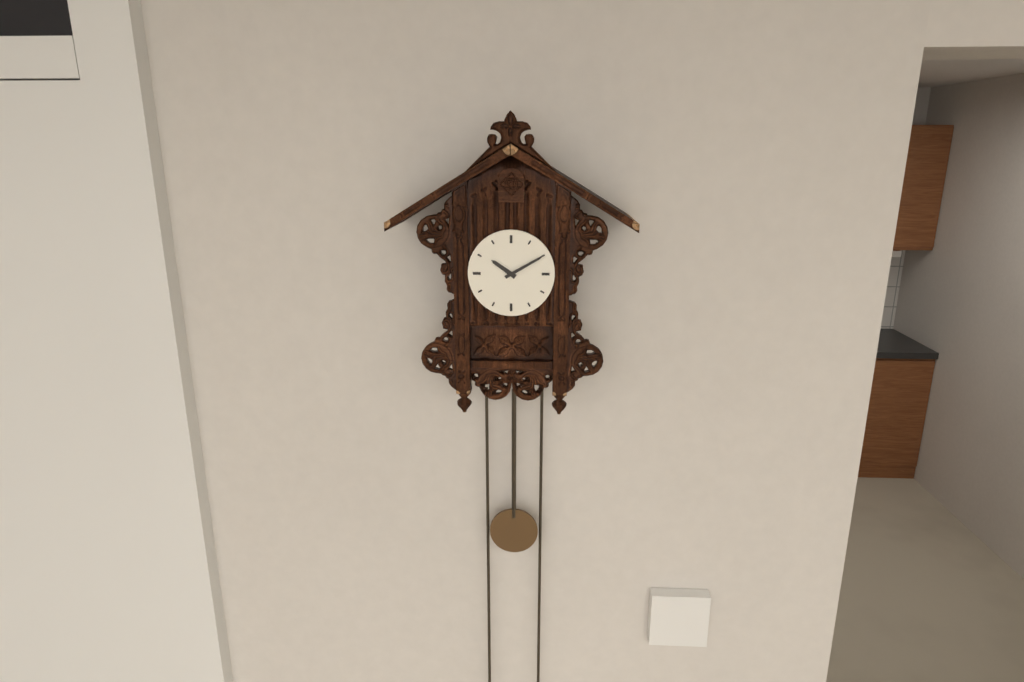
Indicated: 10 h 10 min
